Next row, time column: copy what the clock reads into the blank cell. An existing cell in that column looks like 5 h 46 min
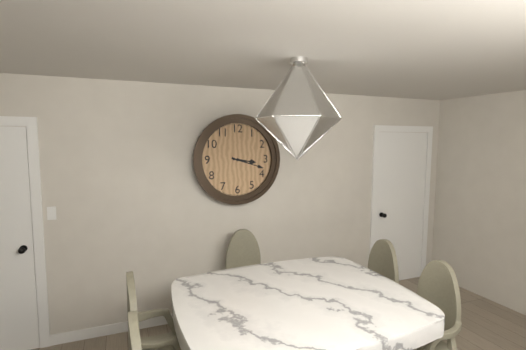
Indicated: 3 h 18 min
